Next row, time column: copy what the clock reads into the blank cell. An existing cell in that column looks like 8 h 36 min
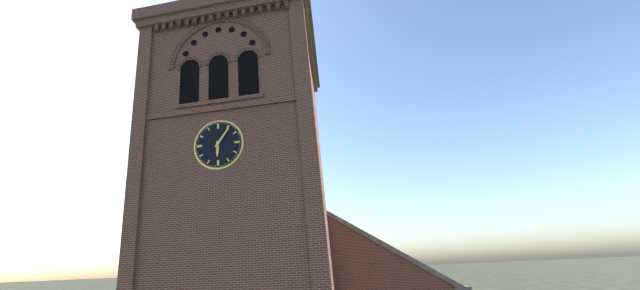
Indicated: 6 h 06 min
